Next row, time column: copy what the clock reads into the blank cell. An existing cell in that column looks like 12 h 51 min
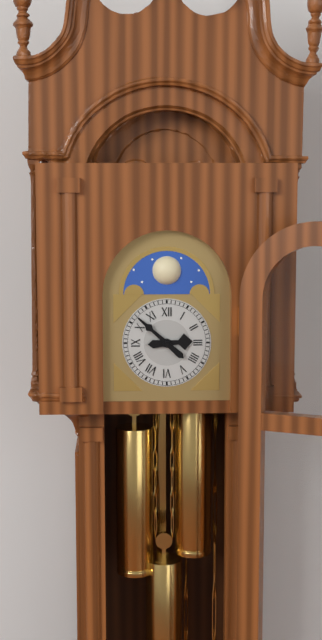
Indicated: 2 h 52 min
